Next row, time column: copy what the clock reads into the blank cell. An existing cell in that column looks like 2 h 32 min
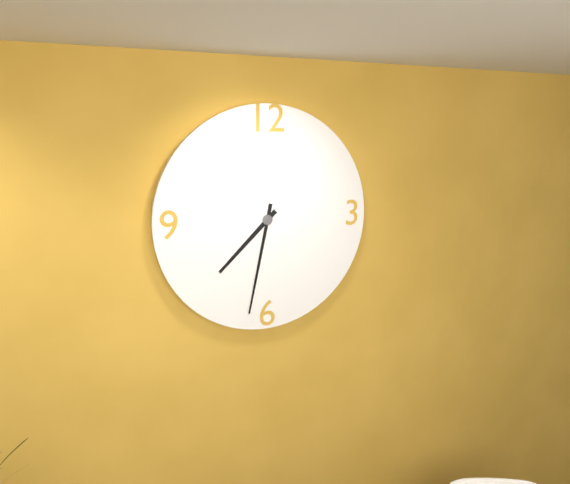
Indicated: 7 h 32 min
